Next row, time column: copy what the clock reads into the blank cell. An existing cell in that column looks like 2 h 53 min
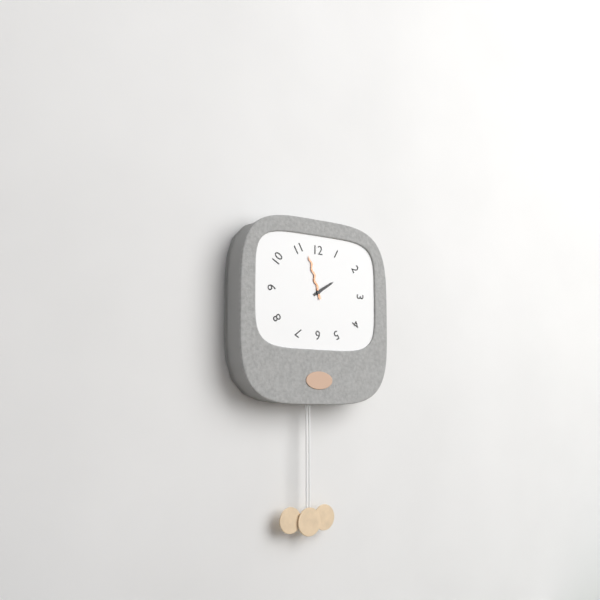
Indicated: 1 h 57 min
